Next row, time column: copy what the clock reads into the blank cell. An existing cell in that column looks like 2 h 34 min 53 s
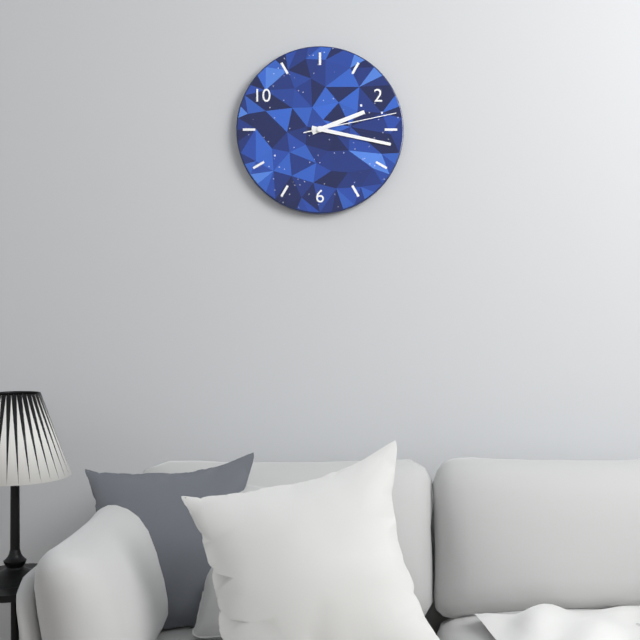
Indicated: 2 h 17 min 13 s
